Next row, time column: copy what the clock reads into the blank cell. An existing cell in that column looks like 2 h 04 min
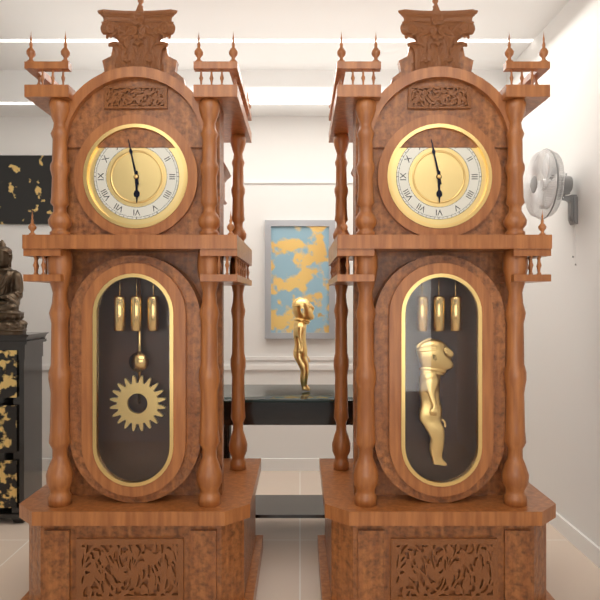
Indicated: 5 h 58 min
